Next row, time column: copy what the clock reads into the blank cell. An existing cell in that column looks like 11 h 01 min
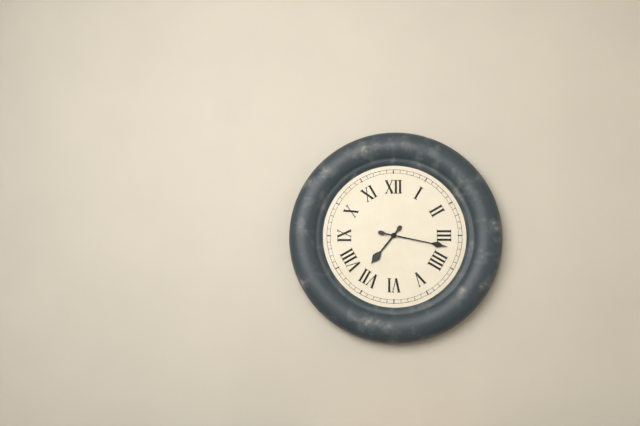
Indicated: 7 h 17 min
